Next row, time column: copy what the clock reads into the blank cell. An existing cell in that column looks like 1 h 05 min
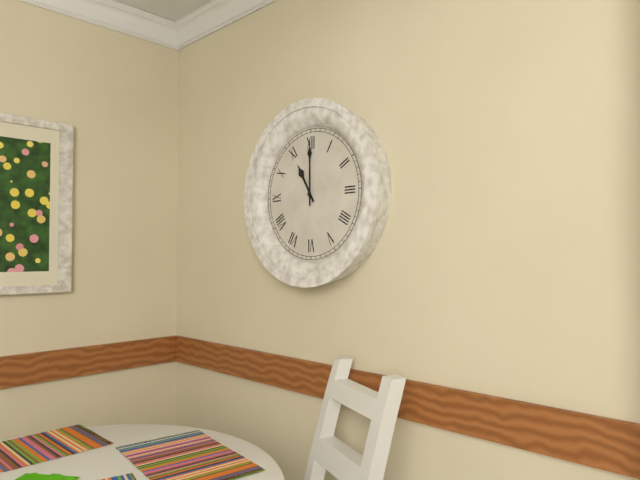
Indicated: 11 h 00 min
